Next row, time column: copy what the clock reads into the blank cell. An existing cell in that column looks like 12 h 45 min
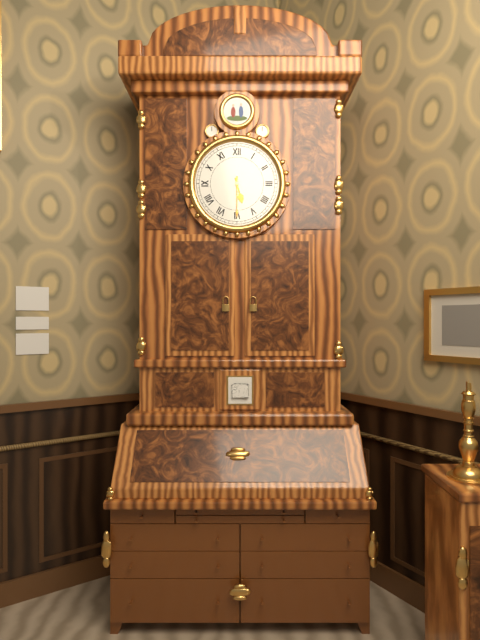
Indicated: 5 h 30 min
